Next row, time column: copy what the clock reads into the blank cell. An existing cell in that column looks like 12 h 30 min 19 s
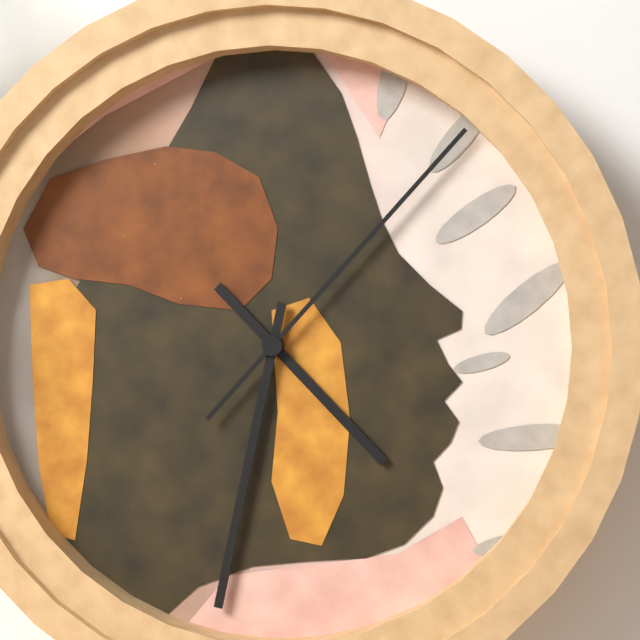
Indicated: 4 h 32 min 07 s
